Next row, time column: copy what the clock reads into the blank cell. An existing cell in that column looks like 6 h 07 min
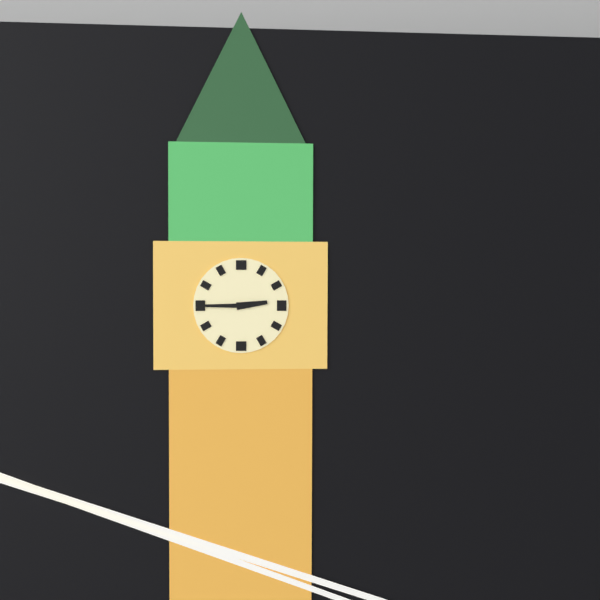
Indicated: 2 h 45 min
